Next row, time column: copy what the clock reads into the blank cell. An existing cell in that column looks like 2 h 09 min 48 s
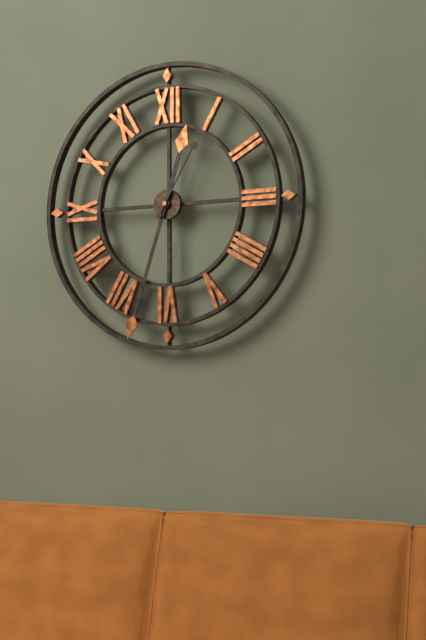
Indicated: 12 h 33 min 05 s
